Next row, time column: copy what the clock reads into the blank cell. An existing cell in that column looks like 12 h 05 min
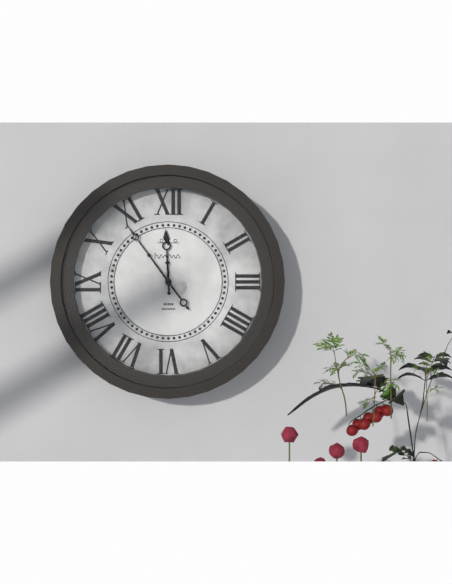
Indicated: 11 h 54 min
